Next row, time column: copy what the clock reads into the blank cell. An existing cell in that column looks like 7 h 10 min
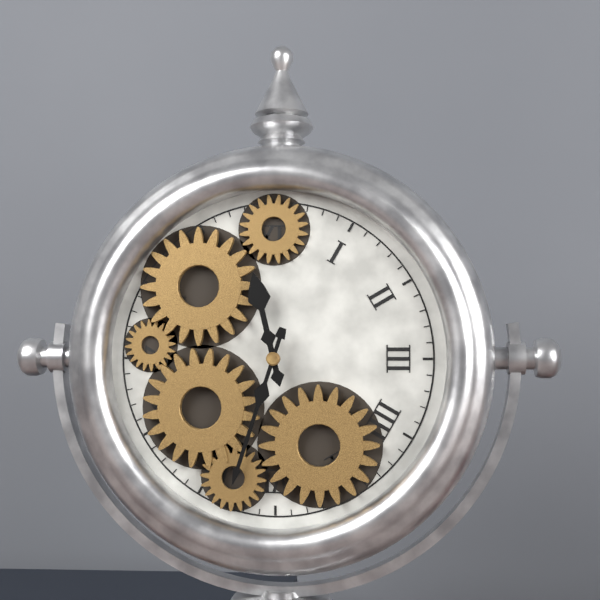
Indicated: 11 h 33 min
